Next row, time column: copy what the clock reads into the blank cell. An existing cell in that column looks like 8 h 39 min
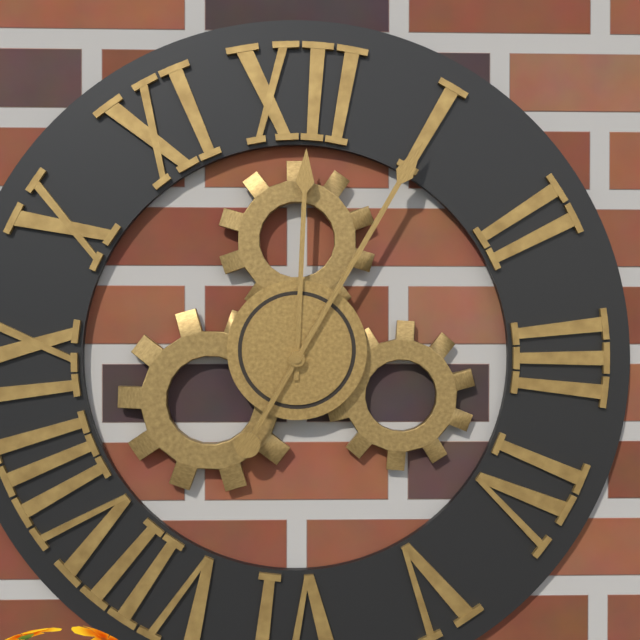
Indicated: 12 h 05 min
